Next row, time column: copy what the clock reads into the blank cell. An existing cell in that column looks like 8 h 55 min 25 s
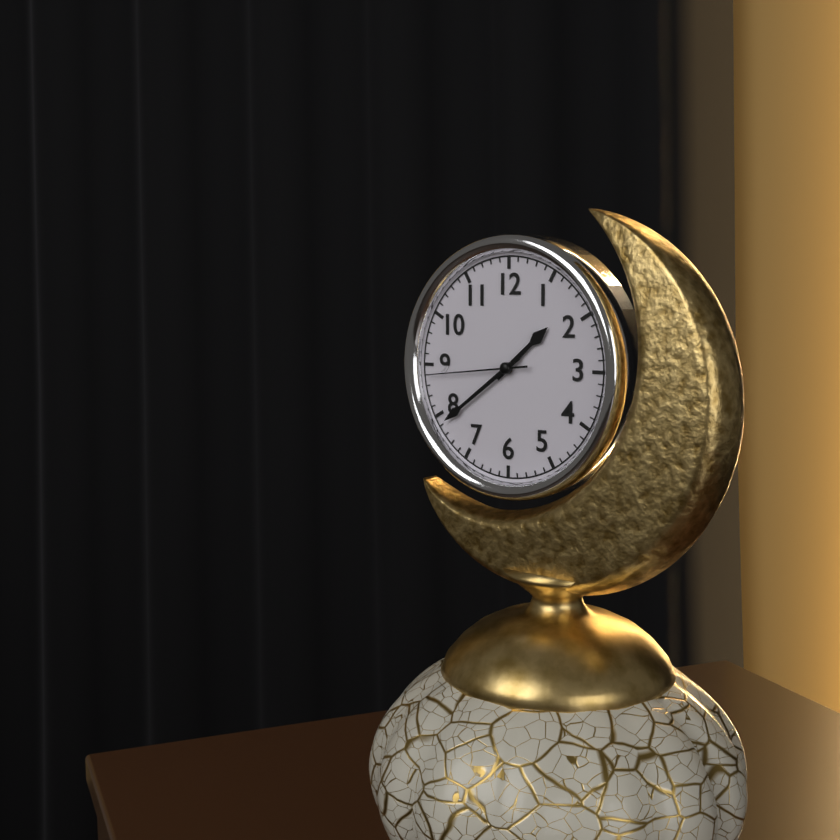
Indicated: 1 h 39 min 44 s
